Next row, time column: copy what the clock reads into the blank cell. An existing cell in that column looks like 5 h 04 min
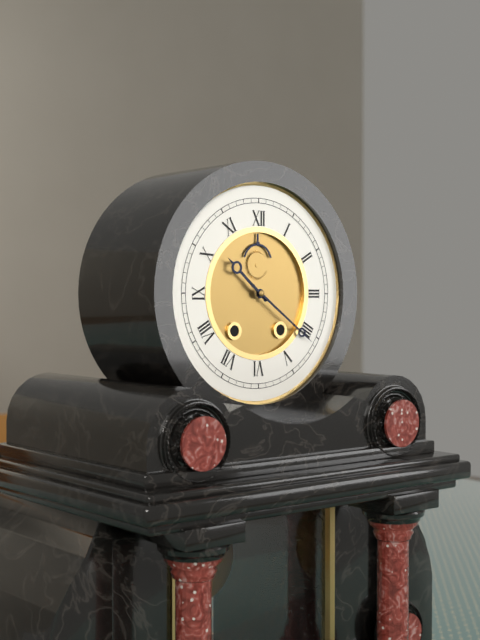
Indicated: 10 h 21 min
